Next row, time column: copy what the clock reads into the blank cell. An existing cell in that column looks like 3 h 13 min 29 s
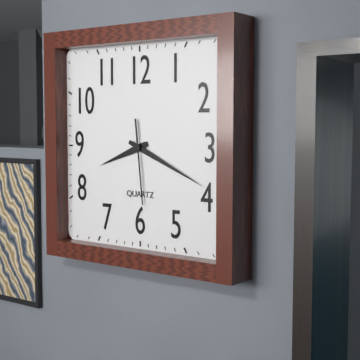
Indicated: 8 h 19 min 29 s
